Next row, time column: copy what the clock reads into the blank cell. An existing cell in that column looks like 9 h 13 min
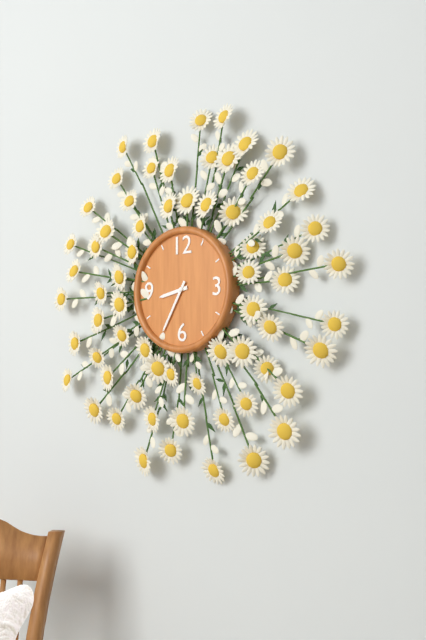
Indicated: 8 h 35 min
